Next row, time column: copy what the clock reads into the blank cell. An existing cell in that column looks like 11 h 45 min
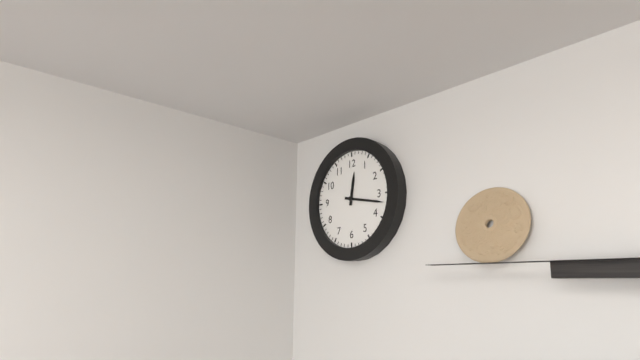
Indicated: 12 h 17 min
